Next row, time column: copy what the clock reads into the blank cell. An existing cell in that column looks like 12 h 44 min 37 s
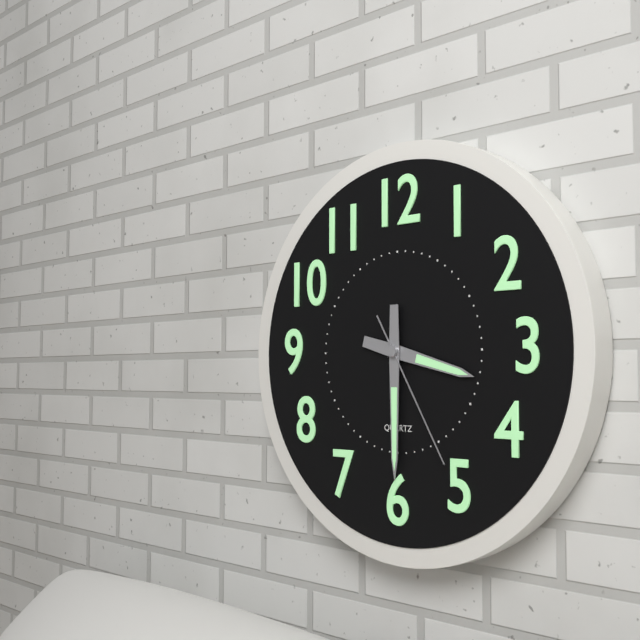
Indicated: 3 h 30 min 25 s
